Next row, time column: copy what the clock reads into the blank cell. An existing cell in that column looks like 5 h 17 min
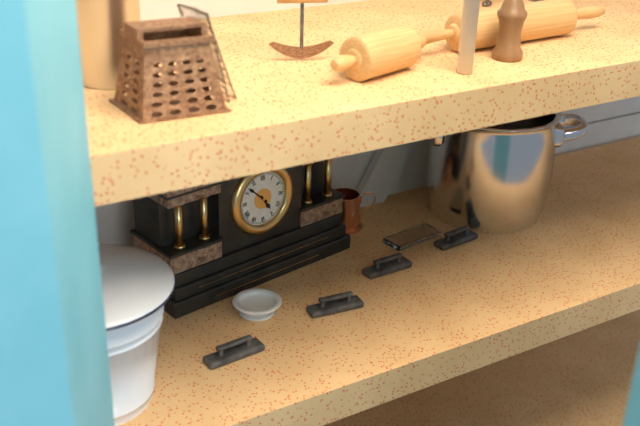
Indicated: 4 h 52 min
